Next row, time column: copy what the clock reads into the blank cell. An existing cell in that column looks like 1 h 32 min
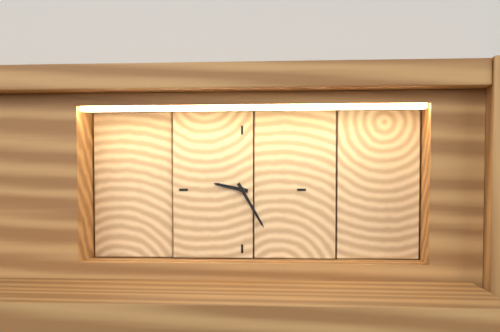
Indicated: 9 h 25 min
